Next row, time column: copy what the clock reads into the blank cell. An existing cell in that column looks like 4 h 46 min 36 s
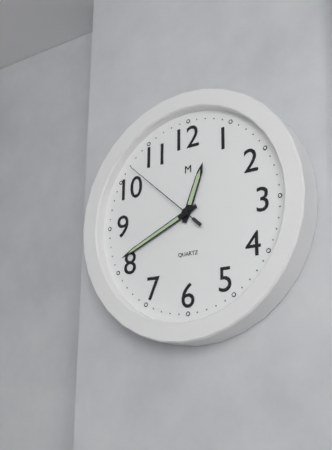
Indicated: 12 h 41 min 52 s
